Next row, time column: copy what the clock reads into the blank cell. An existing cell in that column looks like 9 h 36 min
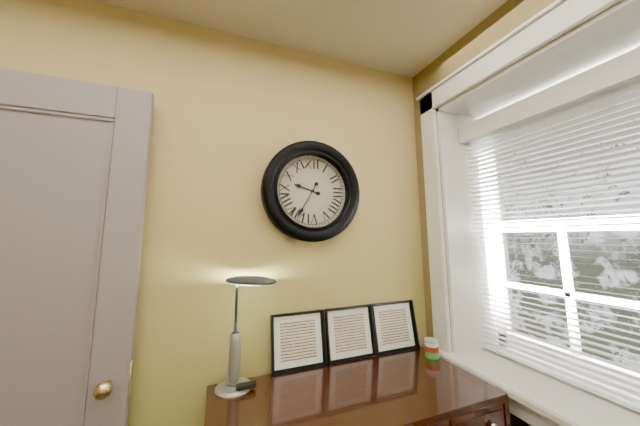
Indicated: 9 h 35 min
